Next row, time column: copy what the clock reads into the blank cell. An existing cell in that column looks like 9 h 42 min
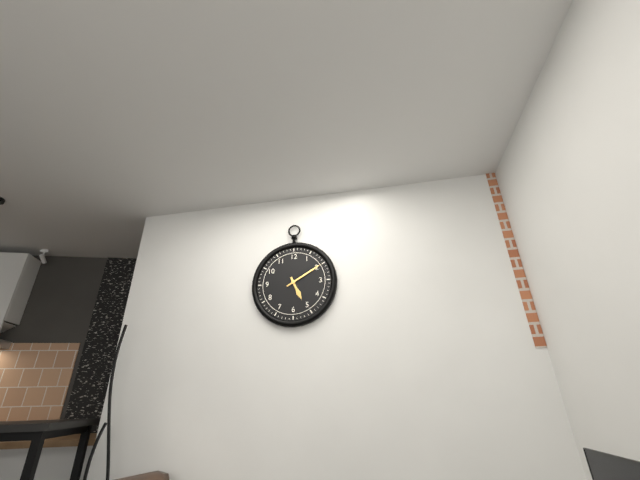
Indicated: 5 h 10 min
